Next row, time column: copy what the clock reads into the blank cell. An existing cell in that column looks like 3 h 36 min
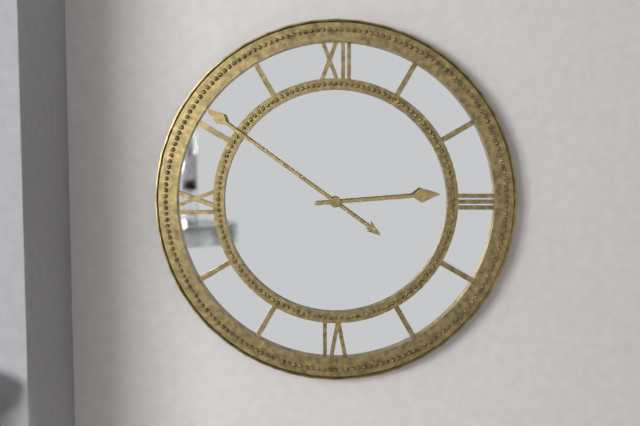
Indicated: 2 h 51 min
